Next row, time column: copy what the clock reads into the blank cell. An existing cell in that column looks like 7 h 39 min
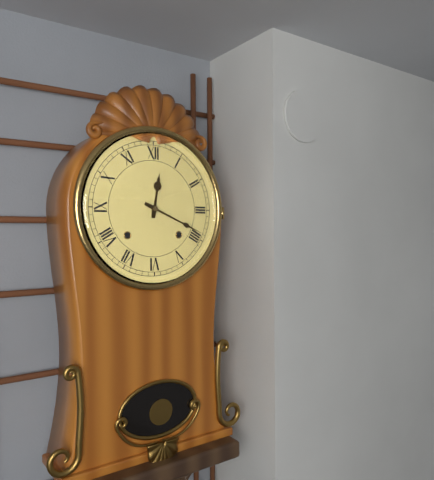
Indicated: 12 h 19 min
